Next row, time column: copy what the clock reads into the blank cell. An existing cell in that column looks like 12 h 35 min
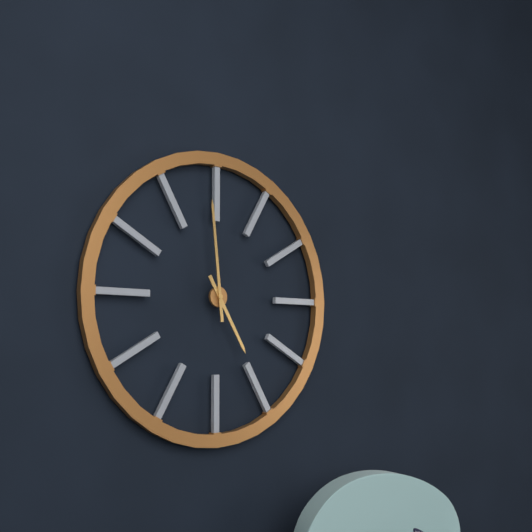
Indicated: 4 h 59 min
